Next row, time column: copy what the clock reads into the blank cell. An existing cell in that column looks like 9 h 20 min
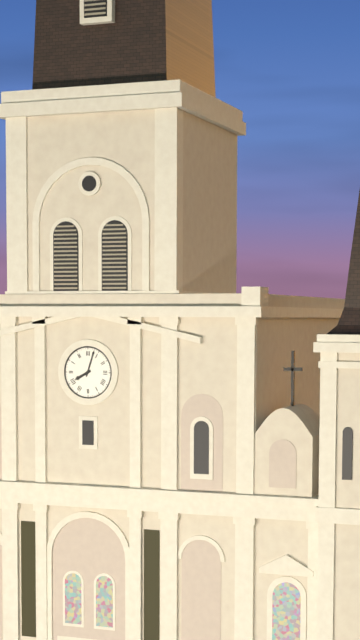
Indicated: 8 h 03 min
